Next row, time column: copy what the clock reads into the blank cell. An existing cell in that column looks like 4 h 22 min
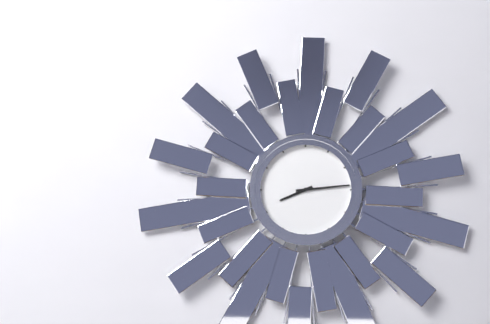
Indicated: 8 h 14 min
